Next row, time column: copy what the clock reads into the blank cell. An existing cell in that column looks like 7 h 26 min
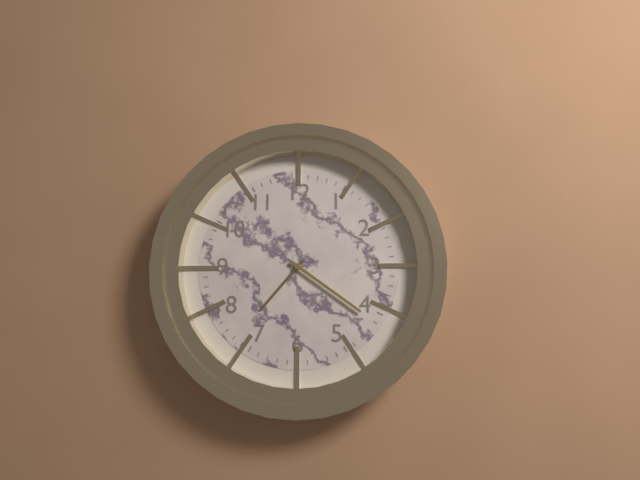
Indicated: 7 h 21 min
